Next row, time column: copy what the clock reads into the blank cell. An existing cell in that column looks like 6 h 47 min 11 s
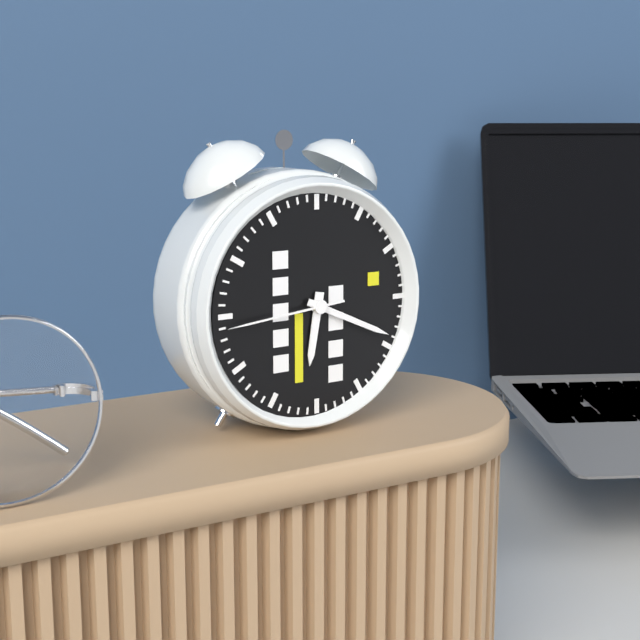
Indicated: 6 h 19 min 44 s
